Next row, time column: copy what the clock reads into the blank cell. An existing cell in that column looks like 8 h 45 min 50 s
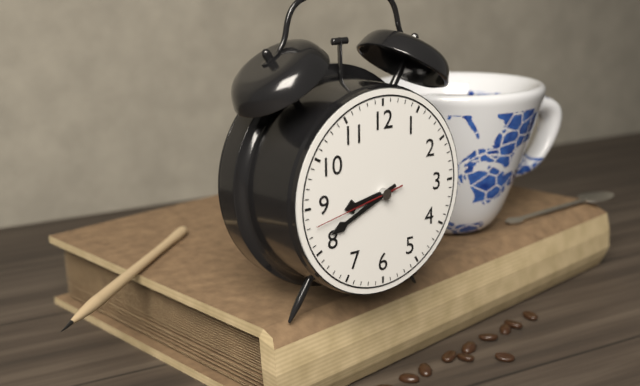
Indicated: 8 h 41 min 43 s
